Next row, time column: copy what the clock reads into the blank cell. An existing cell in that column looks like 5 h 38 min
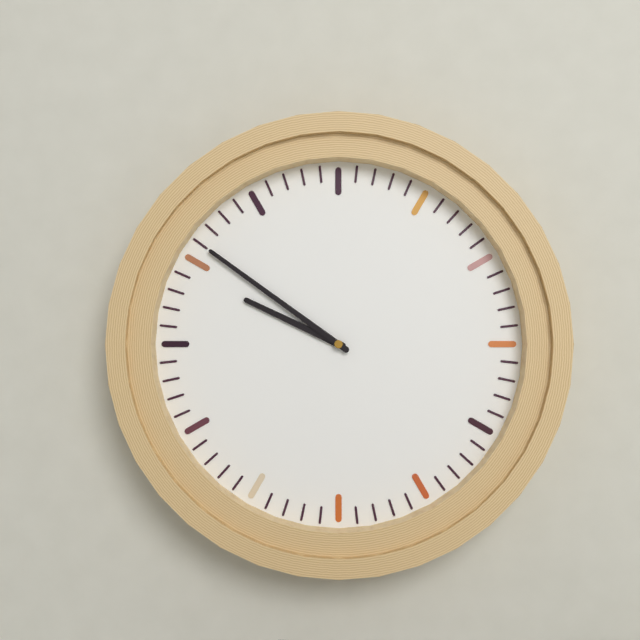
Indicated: 9 h 51 min
